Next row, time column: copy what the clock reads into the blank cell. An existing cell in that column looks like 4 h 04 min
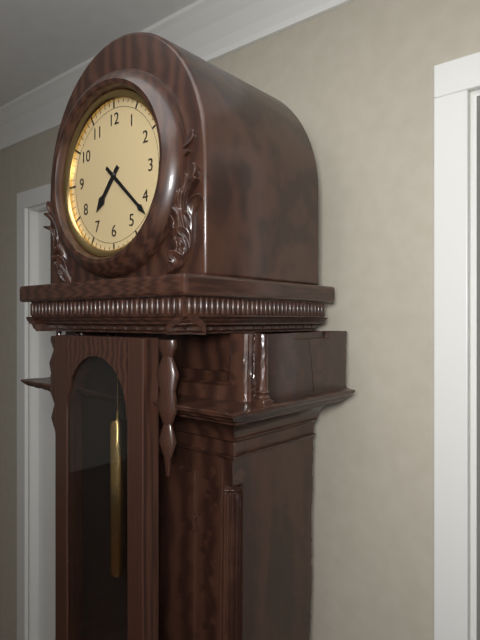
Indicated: 7 h 22 min
